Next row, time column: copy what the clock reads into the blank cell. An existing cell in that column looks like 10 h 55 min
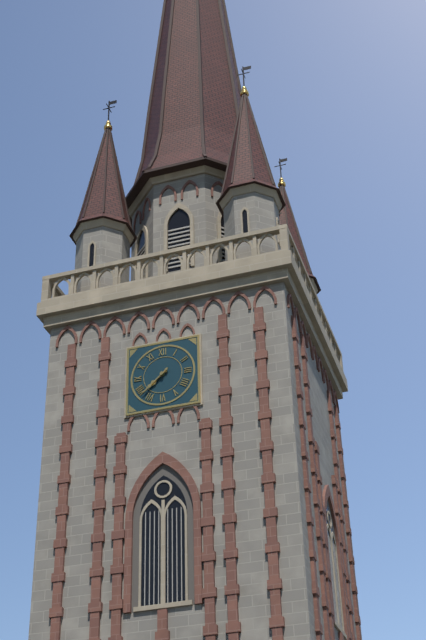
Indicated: 7 h 38 min
